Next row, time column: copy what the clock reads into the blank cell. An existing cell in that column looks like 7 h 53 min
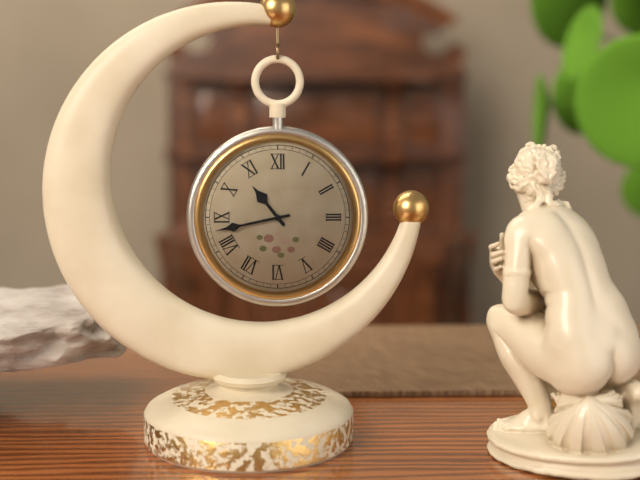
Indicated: 10 h 43 min
